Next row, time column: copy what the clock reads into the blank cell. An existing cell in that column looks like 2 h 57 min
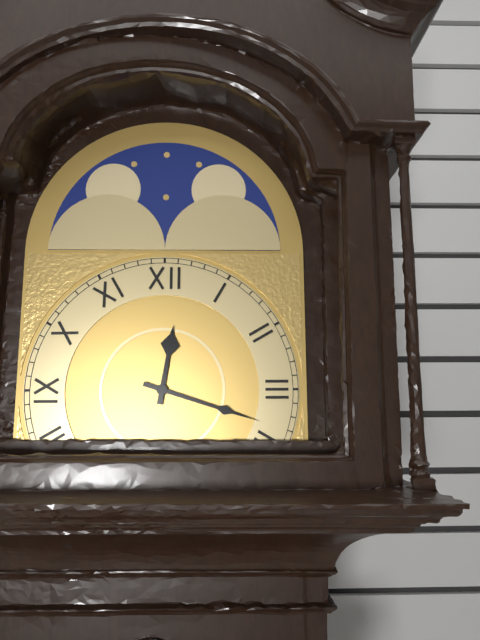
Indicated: 12 h 18 min
